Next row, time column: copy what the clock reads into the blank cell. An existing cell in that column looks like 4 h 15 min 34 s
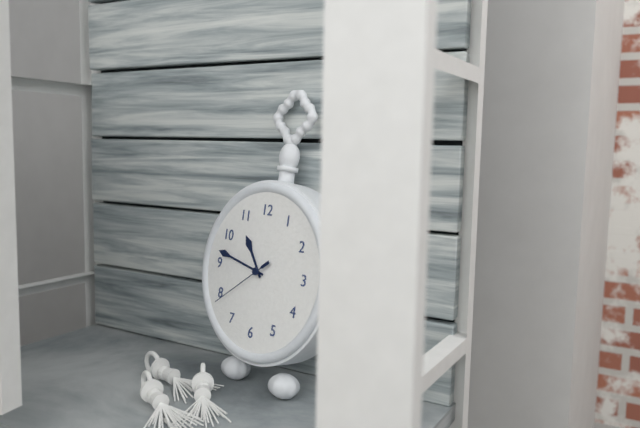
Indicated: 10 h 47 min 39 s
